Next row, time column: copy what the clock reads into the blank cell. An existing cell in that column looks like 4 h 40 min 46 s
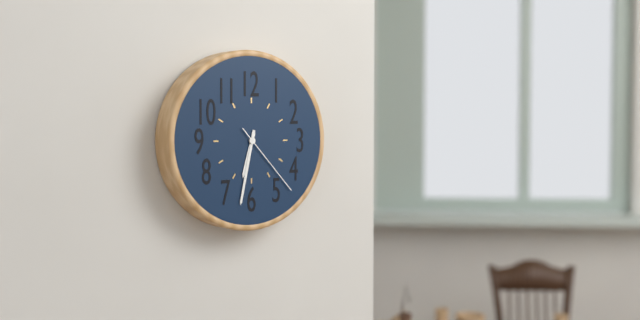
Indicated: 6 h 32 min 23 s
